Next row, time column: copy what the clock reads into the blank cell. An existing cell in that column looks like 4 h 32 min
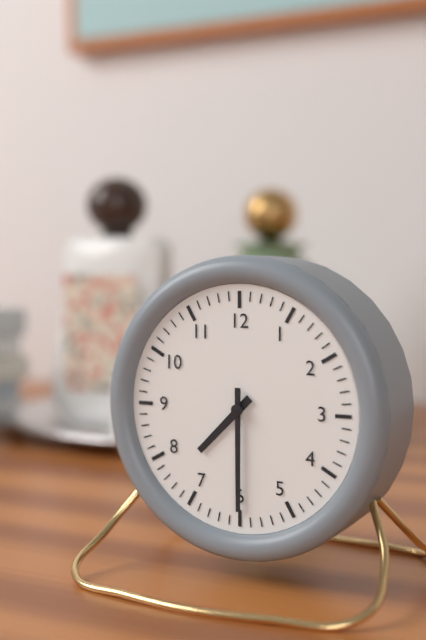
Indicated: 7 h 30 min
